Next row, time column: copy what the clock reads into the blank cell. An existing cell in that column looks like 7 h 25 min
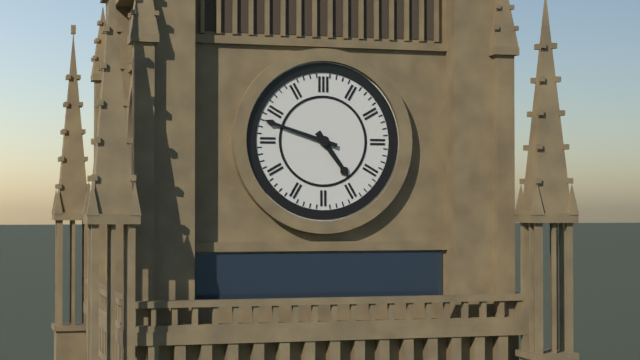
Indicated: 4 h 48 min
